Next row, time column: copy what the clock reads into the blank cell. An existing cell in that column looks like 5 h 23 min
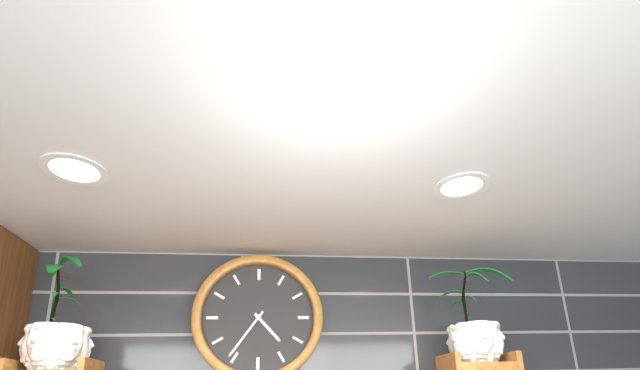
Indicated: 4 h 36 min
